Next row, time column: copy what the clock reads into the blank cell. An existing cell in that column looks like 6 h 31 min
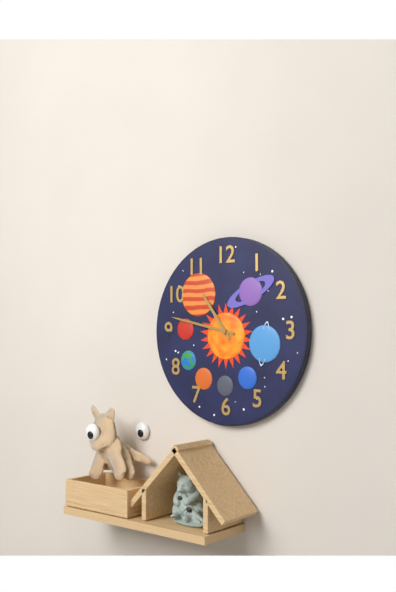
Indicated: 10 h 47 min
